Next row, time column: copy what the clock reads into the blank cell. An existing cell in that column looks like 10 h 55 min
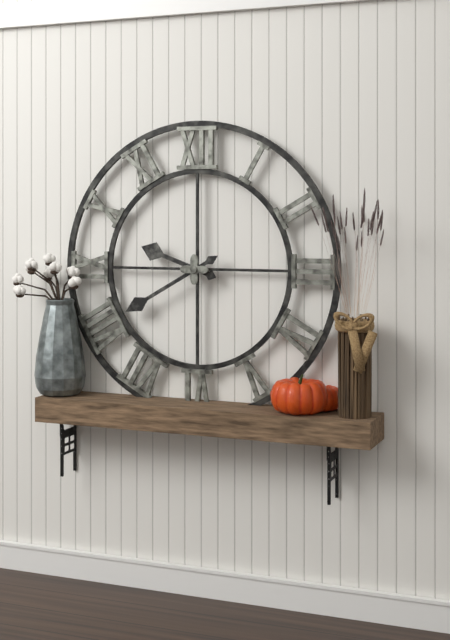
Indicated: 9 h 40 min
